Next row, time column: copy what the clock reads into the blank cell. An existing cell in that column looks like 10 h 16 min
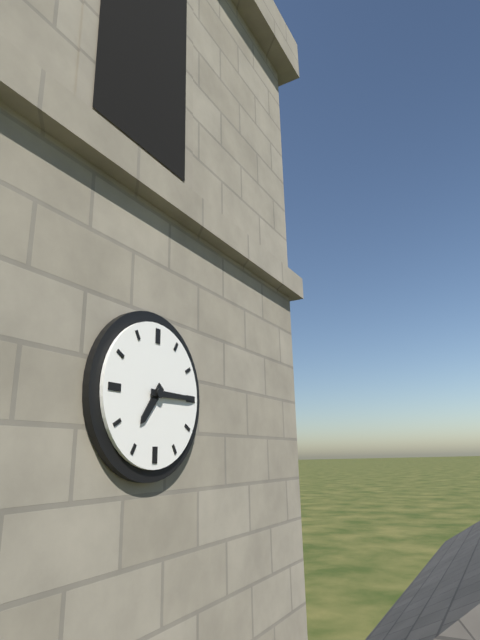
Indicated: 7 h 15 min
